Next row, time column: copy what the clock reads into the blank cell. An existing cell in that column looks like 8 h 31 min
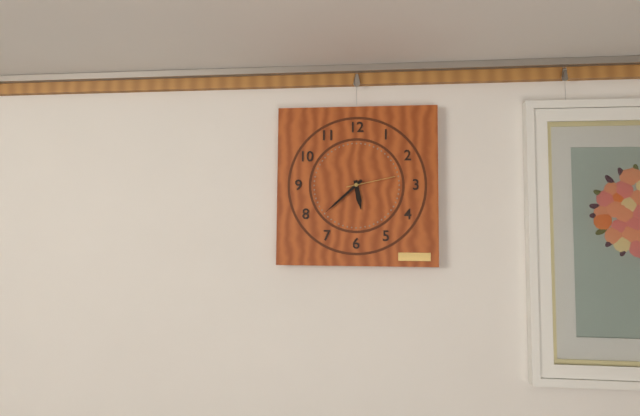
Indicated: 5 h 38 min
